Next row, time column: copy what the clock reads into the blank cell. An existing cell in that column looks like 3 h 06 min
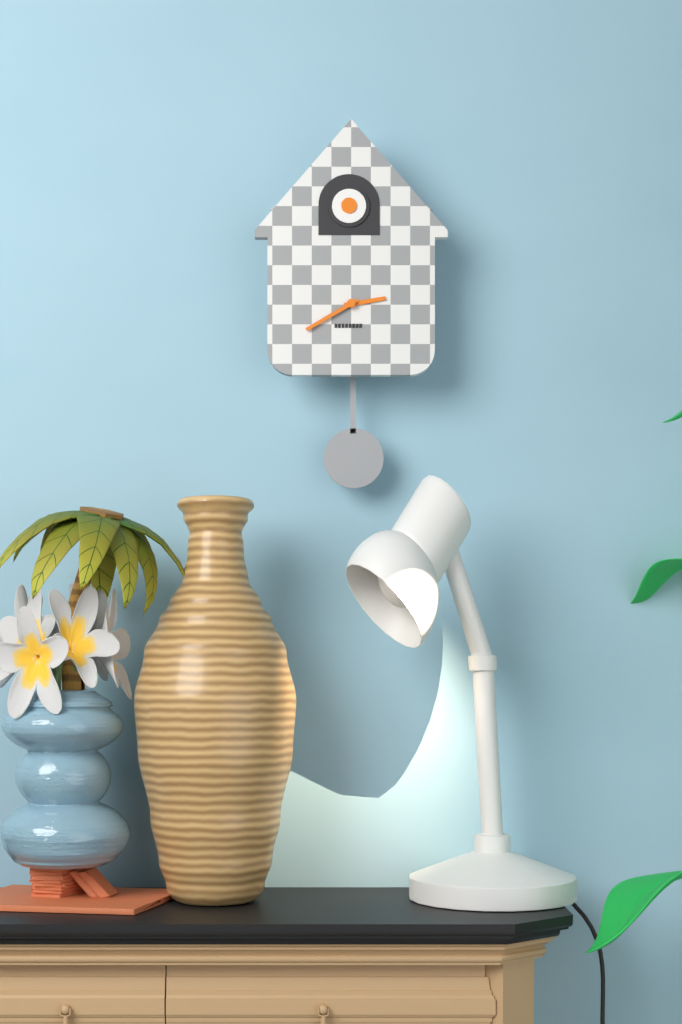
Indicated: 2 h 40 min
